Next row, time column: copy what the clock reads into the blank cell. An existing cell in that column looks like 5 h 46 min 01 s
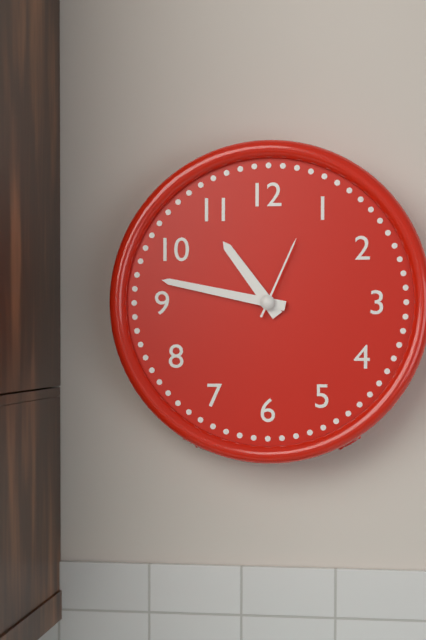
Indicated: 10 h 47 min 04 s
